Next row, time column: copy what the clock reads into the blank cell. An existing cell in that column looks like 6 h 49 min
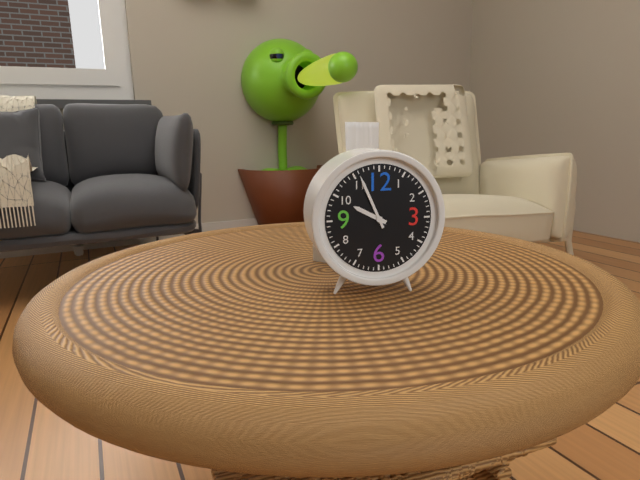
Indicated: 9 h 56 min
